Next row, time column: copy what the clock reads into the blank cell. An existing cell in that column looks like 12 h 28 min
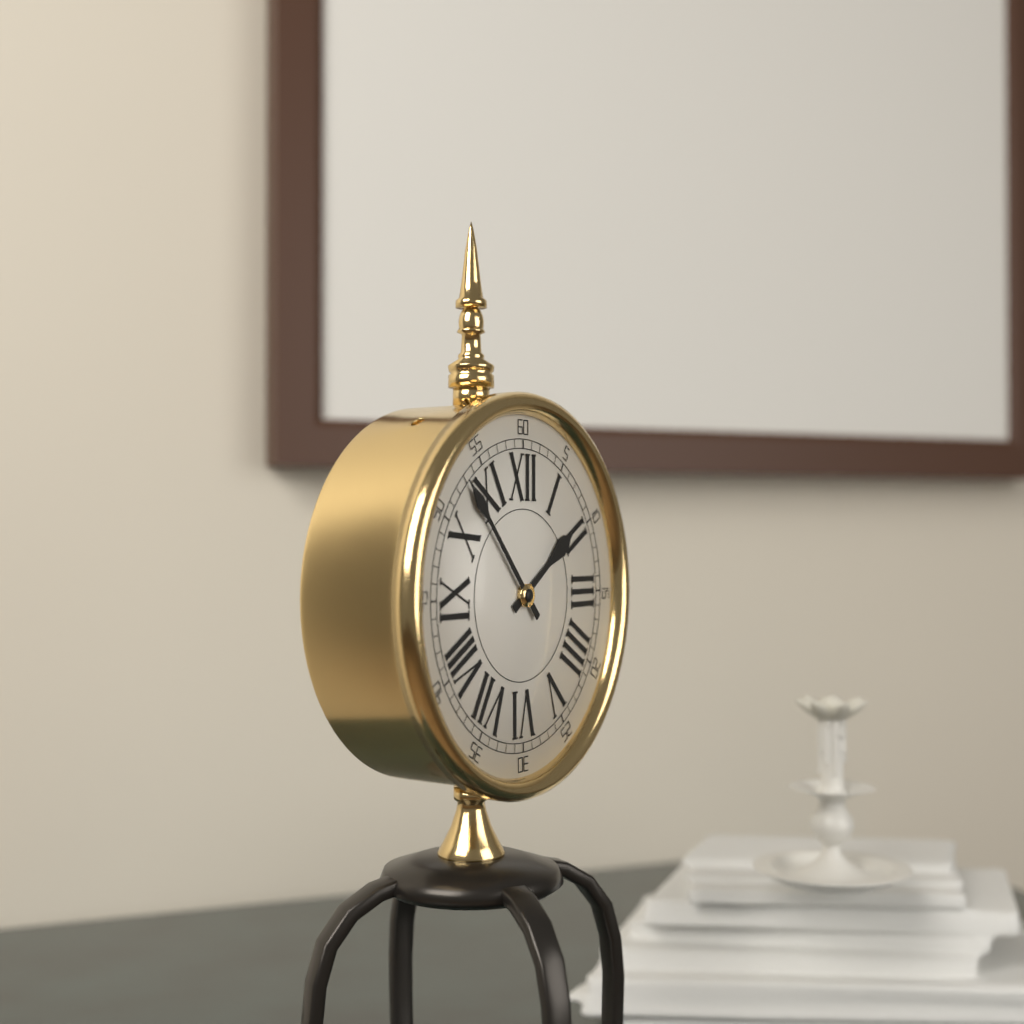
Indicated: 1 h 53 min
